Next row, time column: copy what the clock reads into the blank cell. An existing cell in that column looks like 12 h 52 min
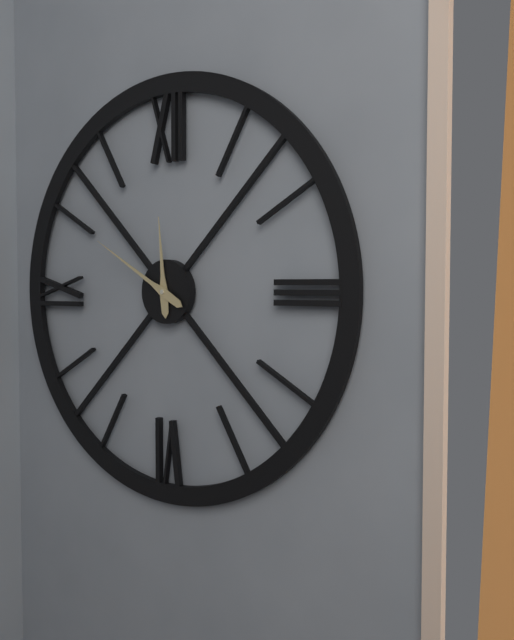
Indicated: 11 h 50 min
